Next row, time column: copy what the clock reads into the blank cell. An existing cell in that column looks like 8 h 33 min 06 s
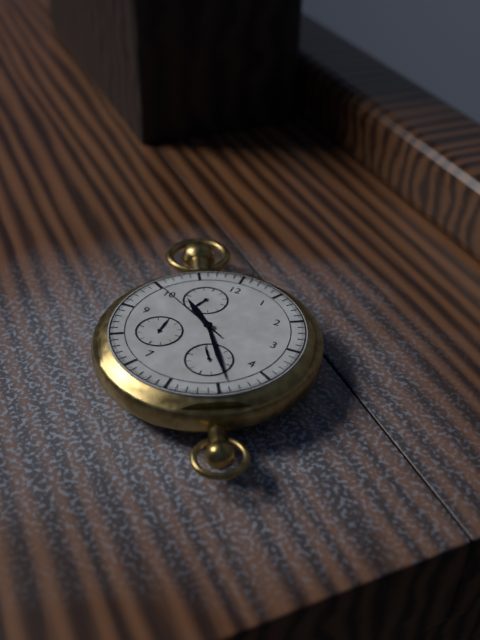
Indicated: 10 h 24 min 50 s
